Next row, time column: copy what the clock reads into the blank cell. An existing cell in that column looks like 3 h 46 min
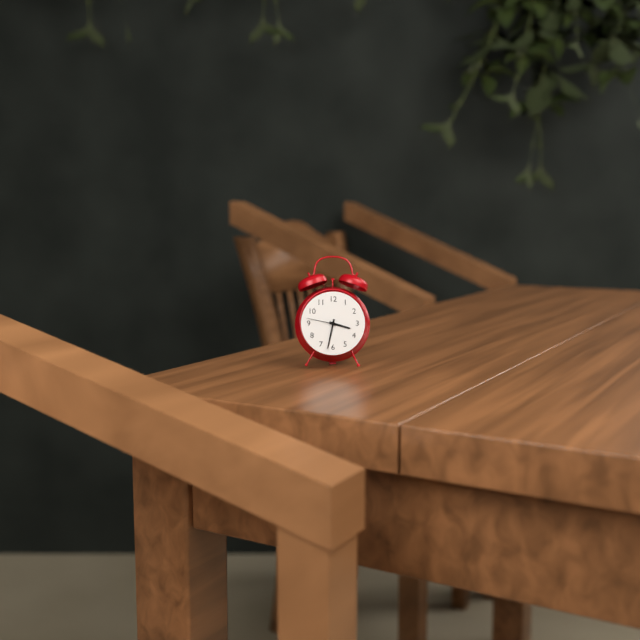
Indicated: 3 h 32 min
